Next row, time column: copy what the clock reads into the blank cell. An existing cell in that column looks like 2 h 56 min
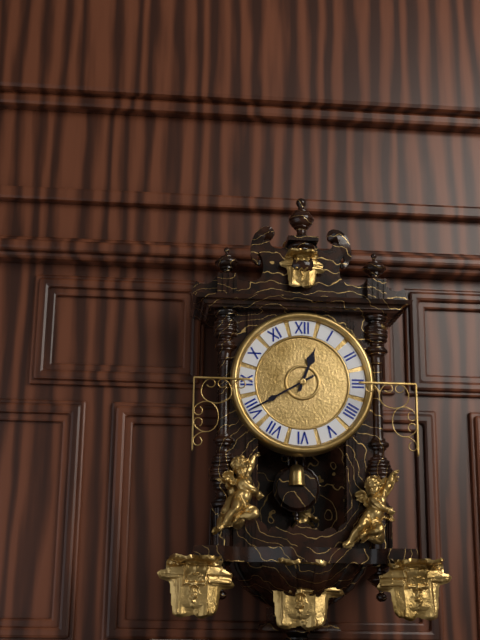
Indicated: 12 h 40 min
